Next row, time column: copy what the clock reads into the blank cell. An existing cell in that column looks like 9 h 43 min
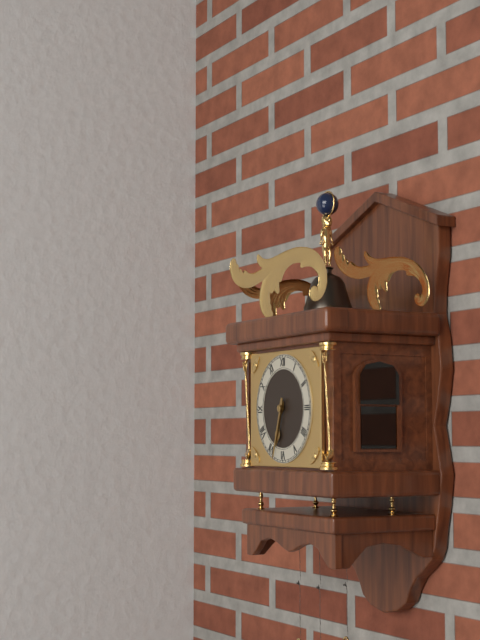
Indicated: 6 h 33 min
